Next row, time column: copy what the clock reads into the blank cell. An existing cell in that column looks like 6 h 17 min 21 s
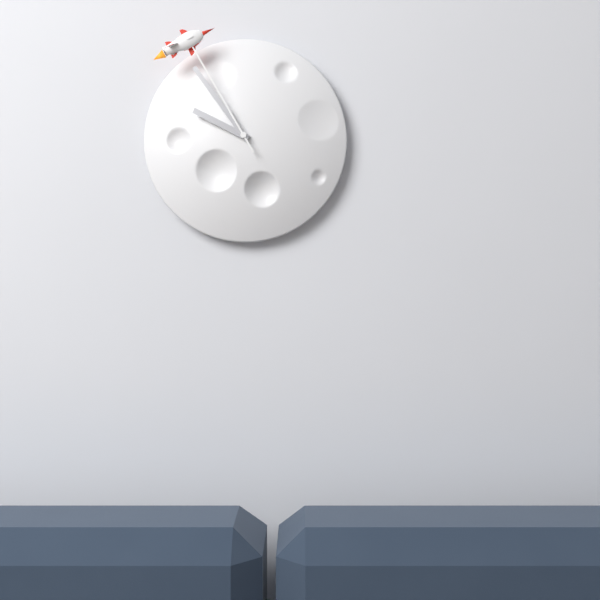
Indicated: 9 h 54 min 55 s
